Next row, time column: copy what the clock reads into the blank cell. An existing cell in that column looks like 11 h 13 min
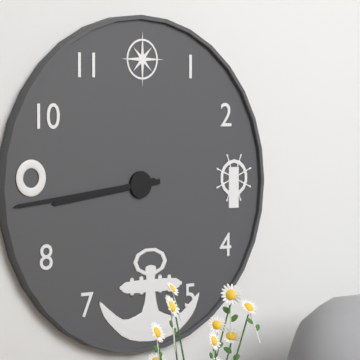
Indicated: 8 h 44 min
